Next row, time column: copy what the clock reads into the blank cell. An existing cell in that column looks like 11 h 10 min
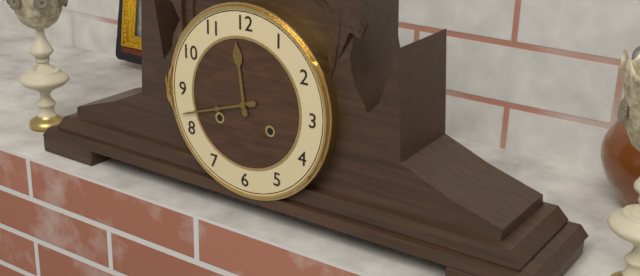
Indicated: 11 h 42 min
